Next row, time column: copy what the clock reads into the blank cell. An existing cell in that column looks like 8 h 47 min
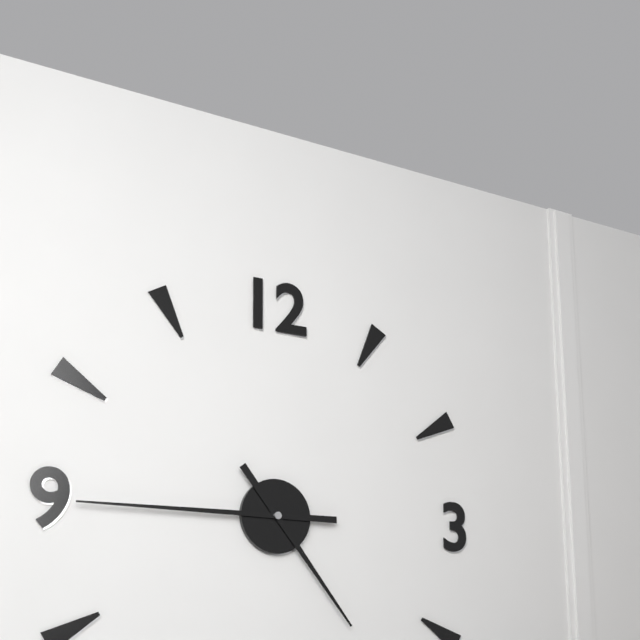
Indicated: 4 h 45 min
